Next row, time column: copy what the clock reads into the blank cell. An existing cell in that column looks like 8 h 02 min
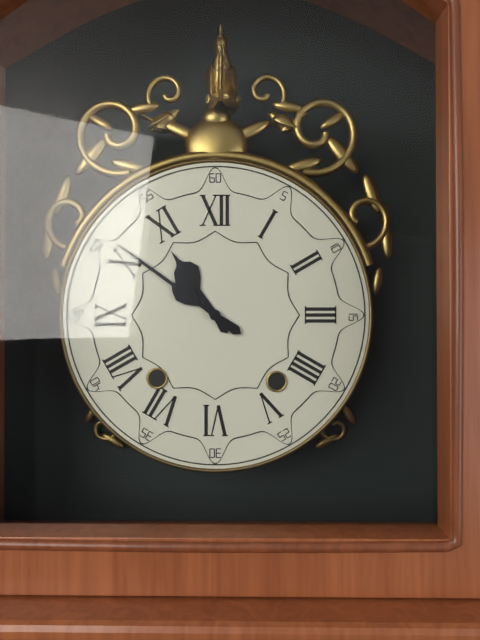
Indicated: 10 h 51 min
